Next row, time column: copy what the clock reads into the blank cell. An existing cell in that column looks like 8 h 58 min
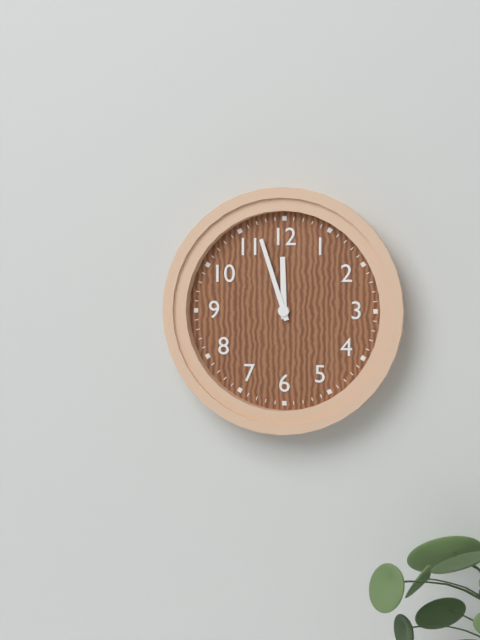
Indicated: 11 h 57 min
